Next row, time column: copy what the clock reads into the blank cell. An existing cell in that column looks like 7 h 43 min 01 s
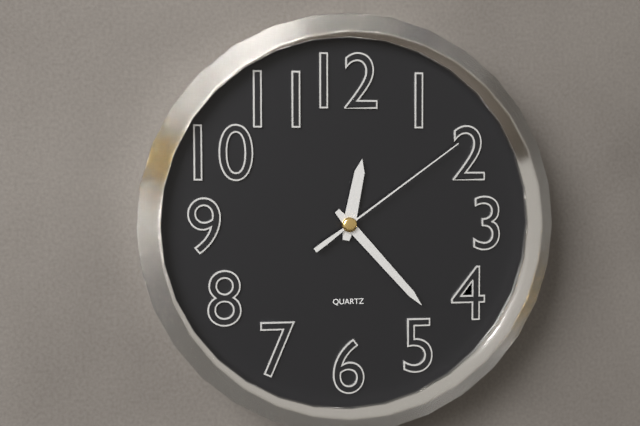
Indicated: 12 h 23 min 09 s
